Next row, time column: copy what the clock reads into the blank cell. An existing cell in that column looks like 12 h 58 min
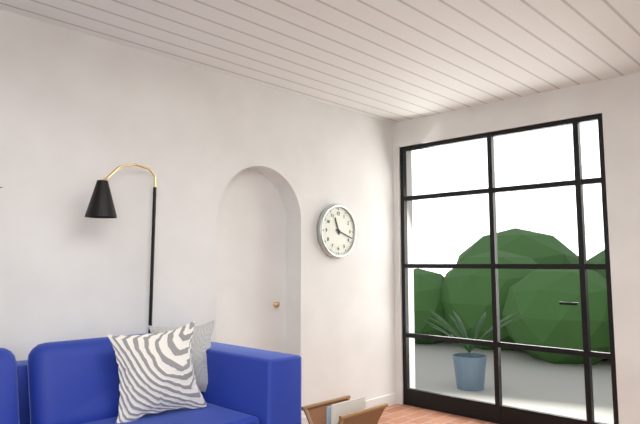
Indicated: 11 h 18 min
